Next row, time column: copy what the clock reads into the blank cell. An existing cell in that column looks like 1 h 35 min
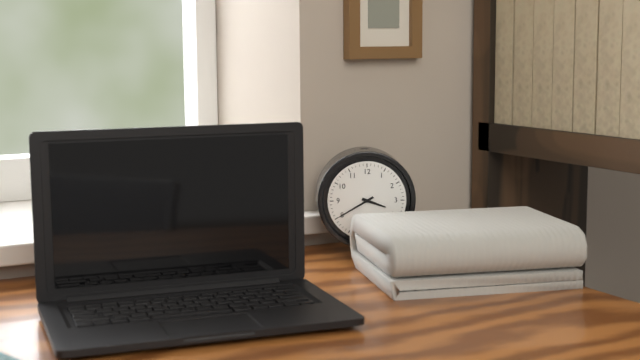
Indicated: 3 h 40 min
